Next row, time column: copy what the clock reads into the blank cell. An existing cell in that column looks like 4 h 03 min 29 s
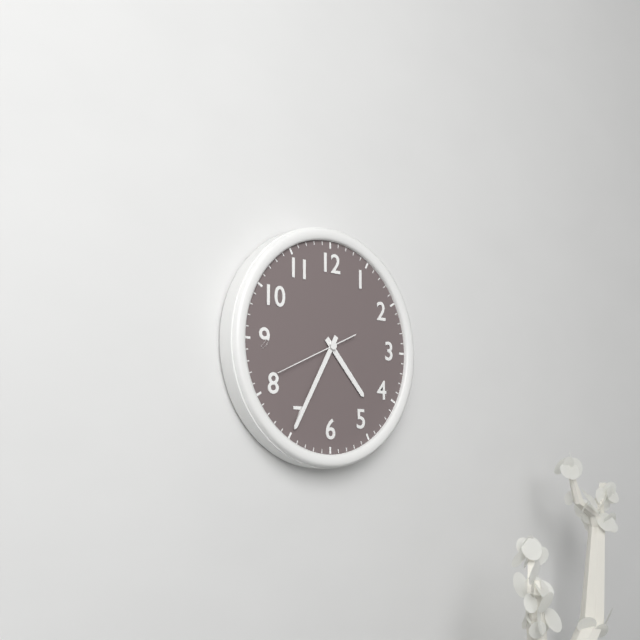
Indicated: 4 h 35 min 41 s
